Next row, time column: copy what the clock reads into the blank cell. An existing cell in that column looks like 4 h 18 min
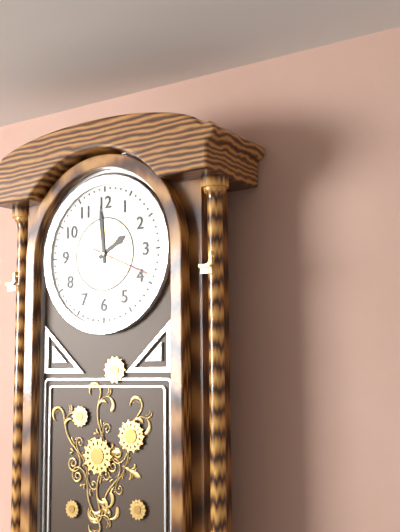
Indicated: 1 h 59 min
